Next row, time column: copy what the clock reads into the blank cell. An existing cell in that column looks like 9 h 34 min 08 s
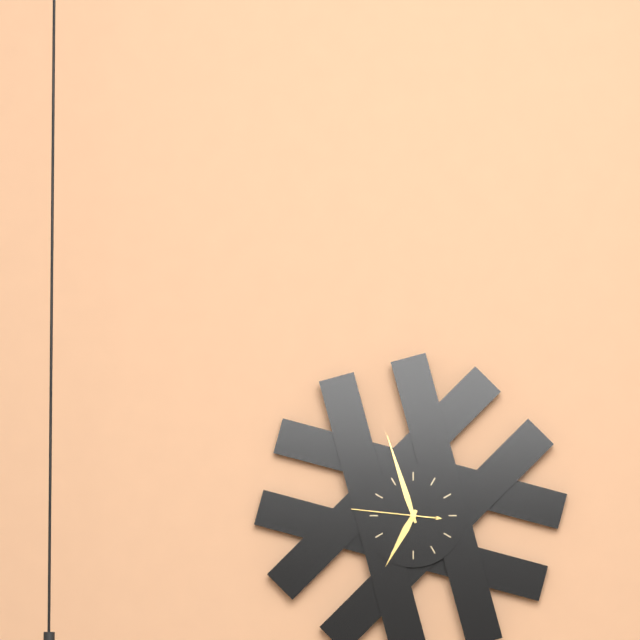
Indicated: 6 h 57 min 46 s
